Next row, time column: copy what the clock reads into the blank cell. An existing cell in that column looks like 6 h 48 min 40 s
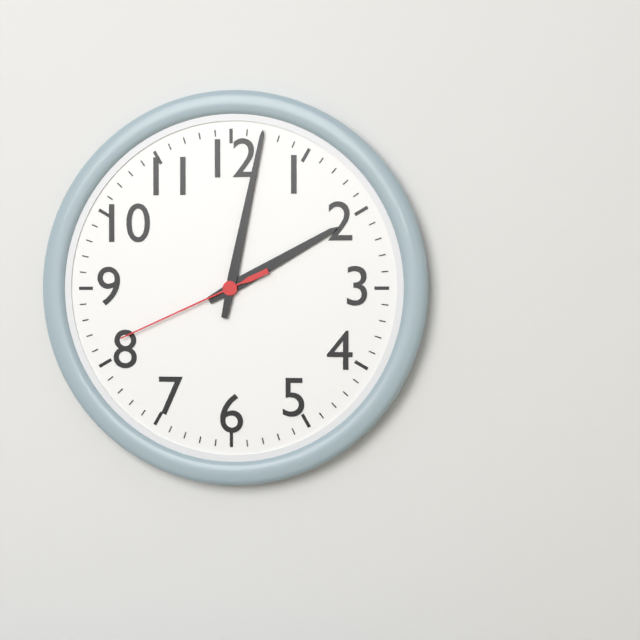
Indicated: 2 h 02 min 41 s
